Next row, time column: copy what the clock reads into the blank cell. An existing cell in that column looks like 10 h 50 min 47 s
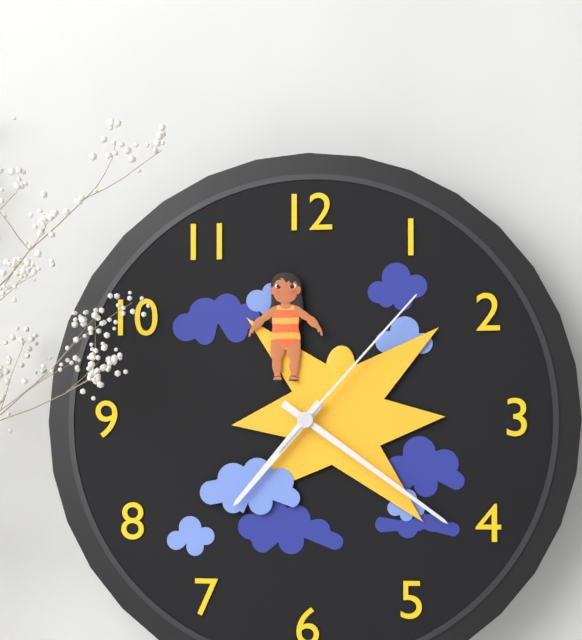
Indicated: 7 h 21 min 07 s
